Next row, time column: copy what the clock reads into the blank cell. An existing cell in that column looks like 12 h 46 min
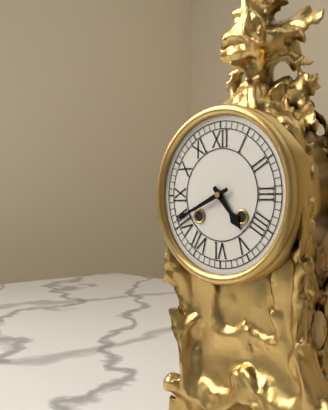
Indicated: 4 h 41 min
